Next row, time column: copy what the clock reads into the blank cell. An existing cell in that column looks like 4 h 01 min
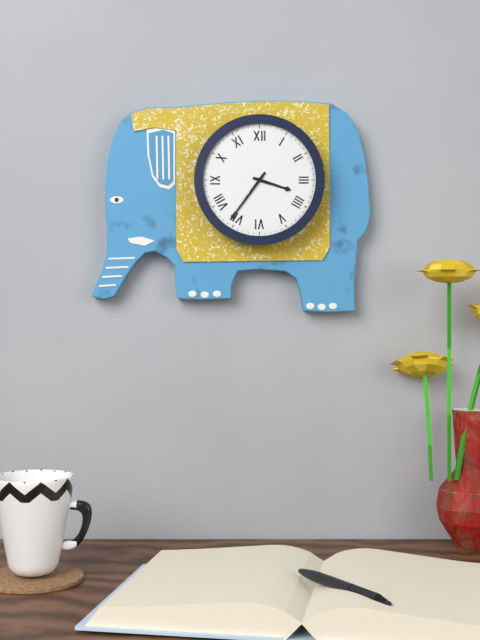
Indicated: 3 h 36 min
